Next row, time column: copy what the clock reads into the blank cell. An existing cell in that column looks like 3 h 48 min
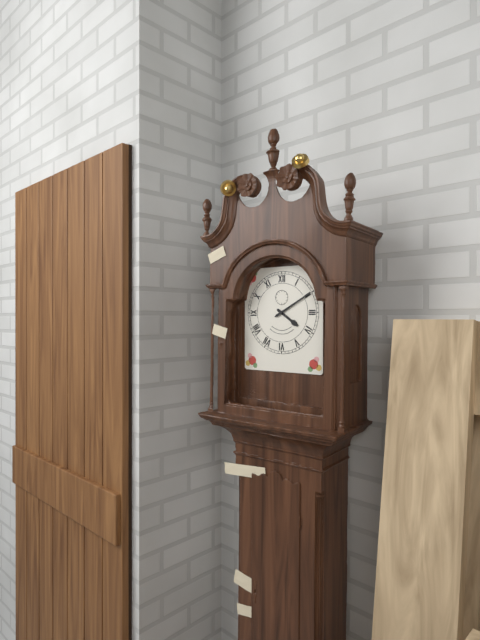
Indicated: 4 h 10 min
